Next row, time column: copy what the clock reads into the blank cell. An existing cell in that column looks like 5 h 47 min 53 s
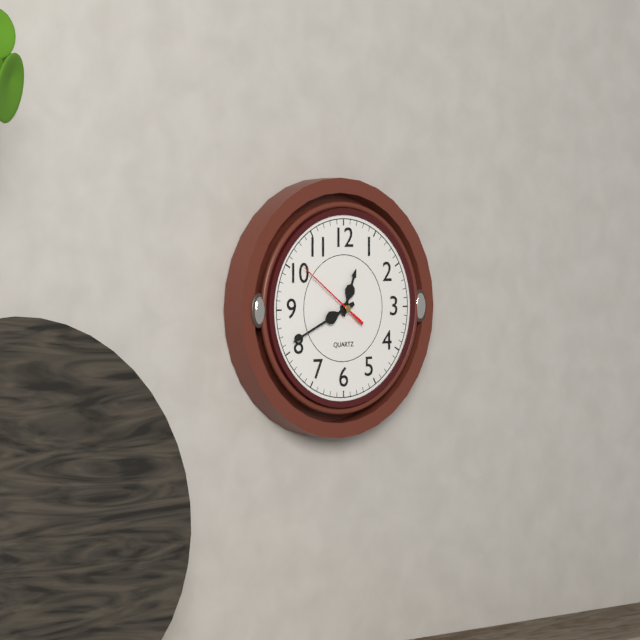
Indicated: 12 h 41 min 51 s
